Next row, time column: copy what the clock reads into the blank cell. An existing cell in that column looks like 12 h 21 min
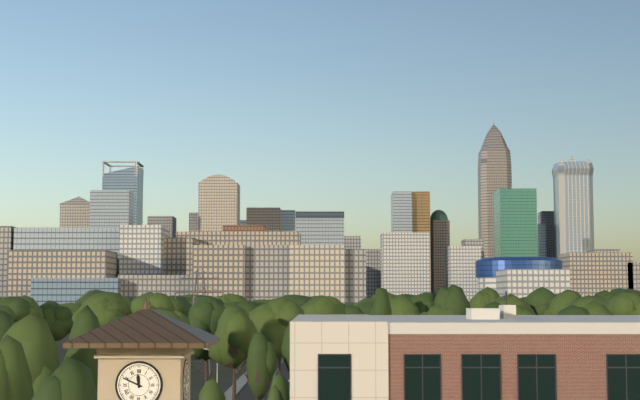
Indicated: 11 h 49 min
